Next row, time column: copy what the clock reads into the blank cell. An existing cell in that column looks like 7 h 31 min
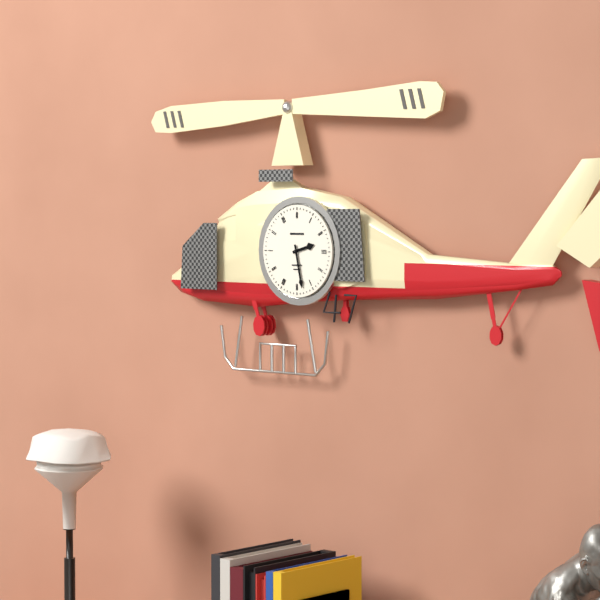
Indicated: 2 h 28 min
